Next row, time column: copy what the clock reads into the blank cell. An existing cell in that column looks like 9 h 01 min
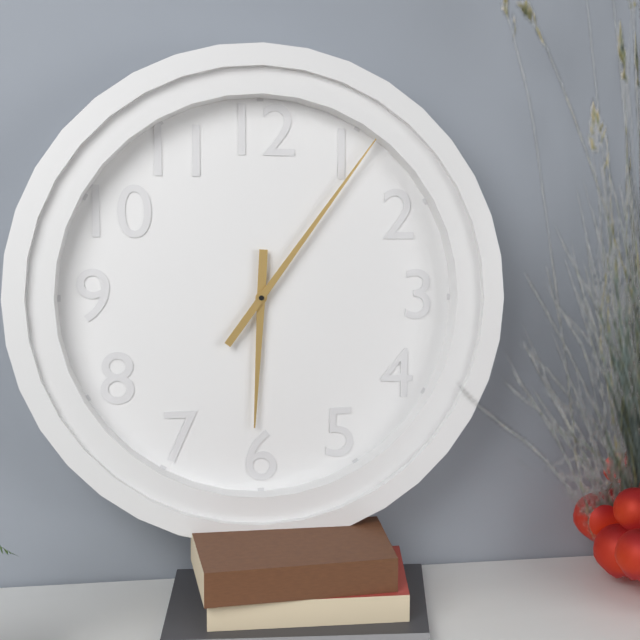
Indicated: 6 h 06 min
